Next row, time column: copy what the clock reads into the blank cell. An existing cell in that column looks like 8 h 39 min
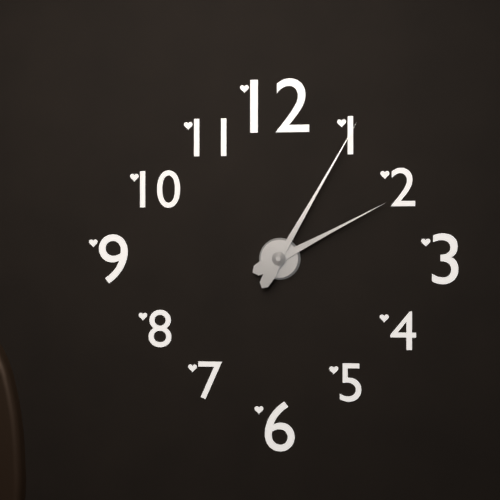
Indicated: 2 h 05 min
